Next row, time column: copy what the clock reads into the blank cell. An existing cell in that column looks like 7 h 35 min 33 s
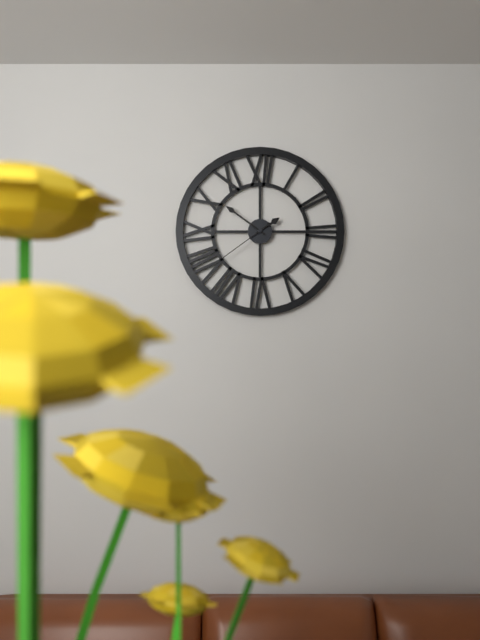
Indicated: 1 h 51 min 39 s
